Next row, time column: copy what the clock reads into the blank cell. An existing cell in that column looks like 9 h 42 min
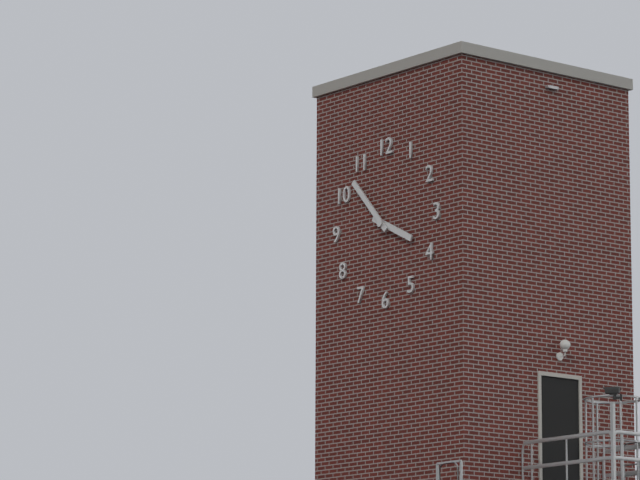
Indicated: 3 h 53 min
